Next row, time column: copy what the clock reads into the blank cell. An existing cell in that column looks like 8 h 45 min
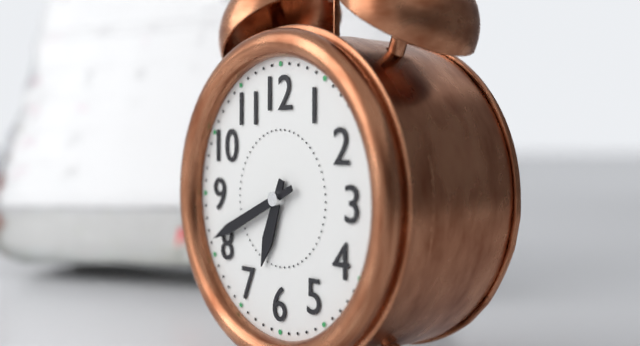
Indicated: 6 h 41 min
